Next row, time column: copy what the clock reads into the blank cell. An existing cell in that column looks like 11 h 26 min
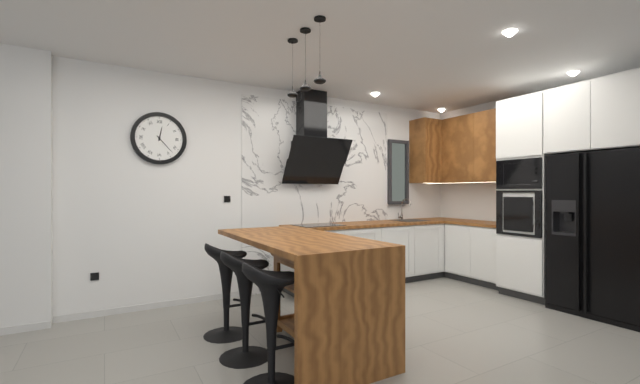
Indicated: 12 h 23 min
